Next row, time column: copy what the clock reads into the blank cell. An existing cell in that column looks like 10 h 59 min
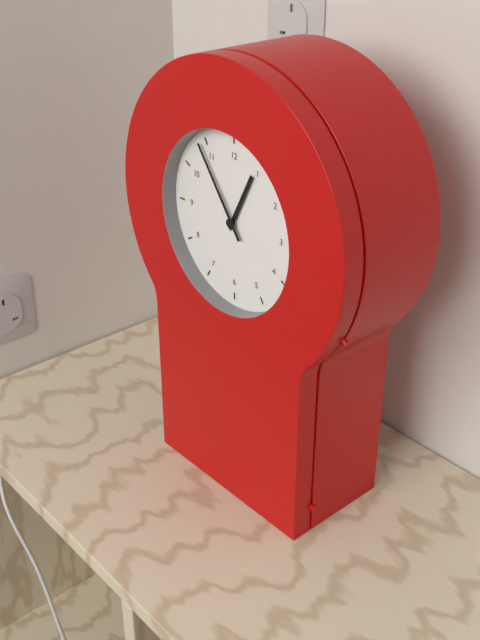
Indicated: 12 h 54 min
